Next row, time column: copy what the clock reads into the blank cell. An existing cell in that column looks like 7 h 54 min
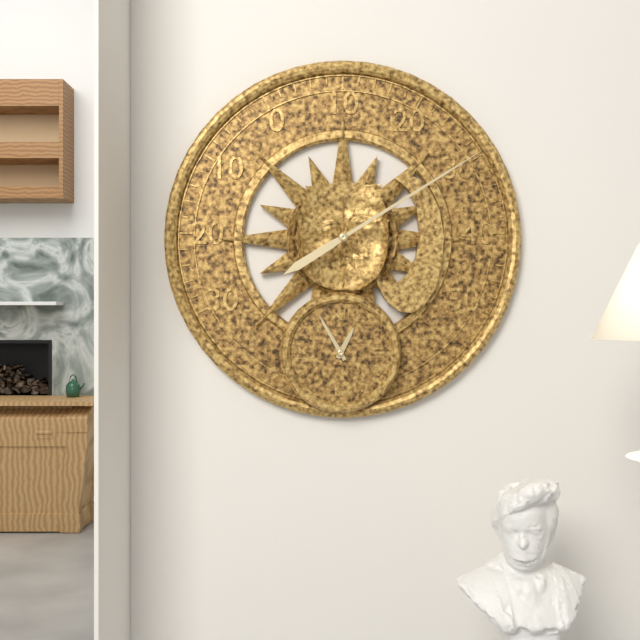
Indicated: 12 h 55 min
